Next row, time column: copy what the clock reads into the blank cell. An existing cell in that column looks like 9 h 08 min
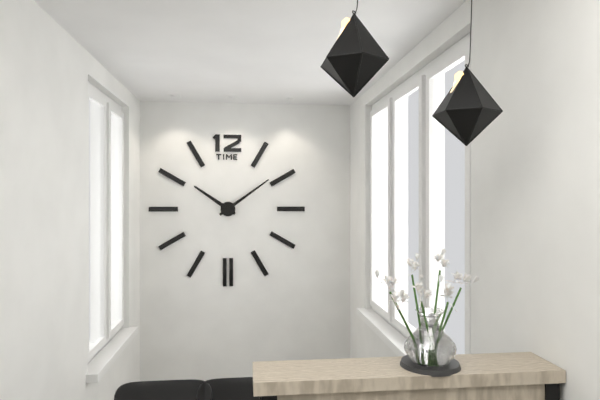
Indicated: 10 h 09 min
